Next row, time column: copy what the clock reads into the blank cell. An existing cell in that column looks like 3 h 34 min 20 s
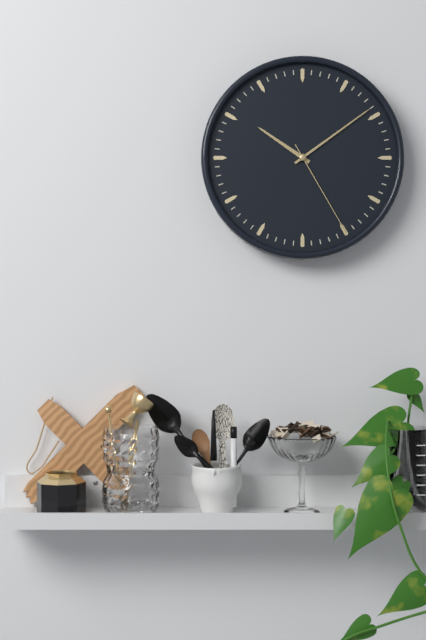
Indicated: 10 h 09 min 25 s
